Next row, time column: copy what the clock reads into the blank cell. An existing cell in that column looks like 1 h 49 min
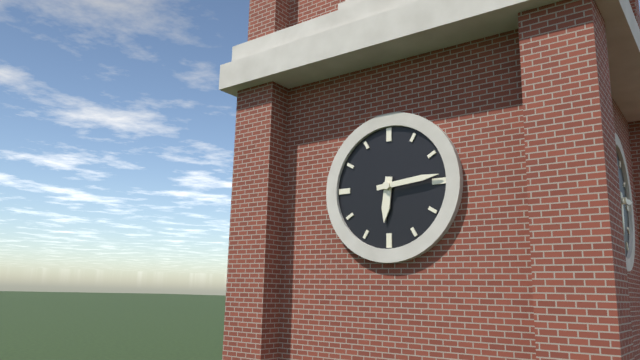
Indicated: 6 h 14 min
